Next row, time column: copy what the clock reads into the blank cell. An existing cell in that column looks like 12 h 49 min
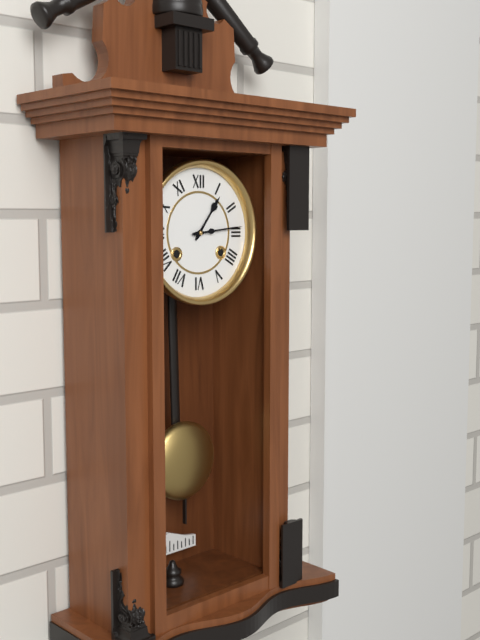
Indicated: 1 h 14 min
